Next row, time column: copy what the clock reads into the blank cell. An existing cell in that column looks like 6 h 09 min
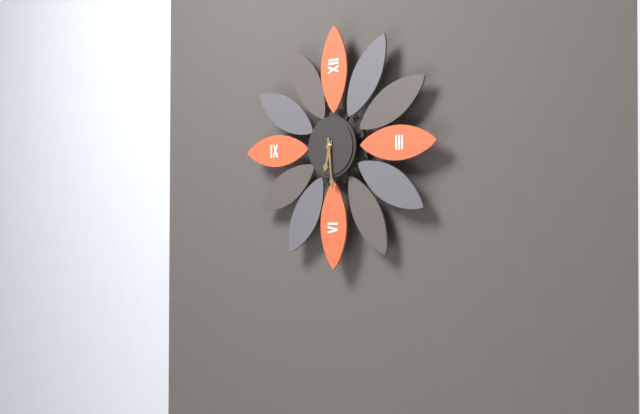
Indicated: 6 h 29 min
